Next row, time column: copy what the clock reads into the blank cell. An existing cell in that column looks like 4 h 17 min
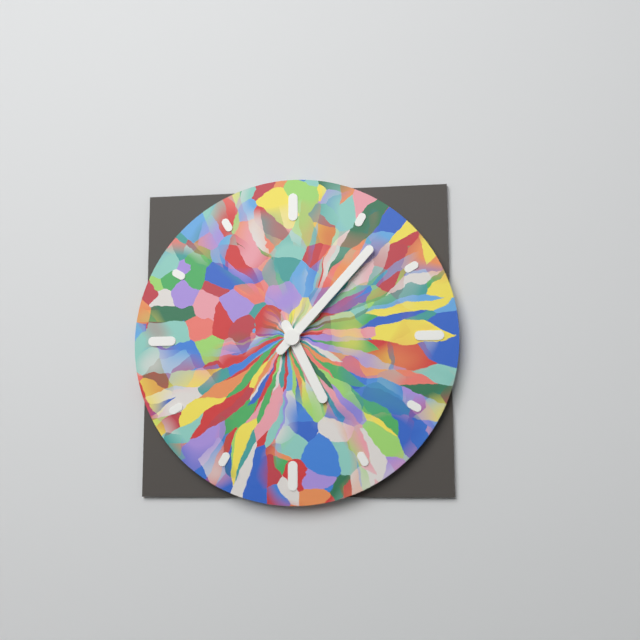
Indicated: 5 h 07 min
